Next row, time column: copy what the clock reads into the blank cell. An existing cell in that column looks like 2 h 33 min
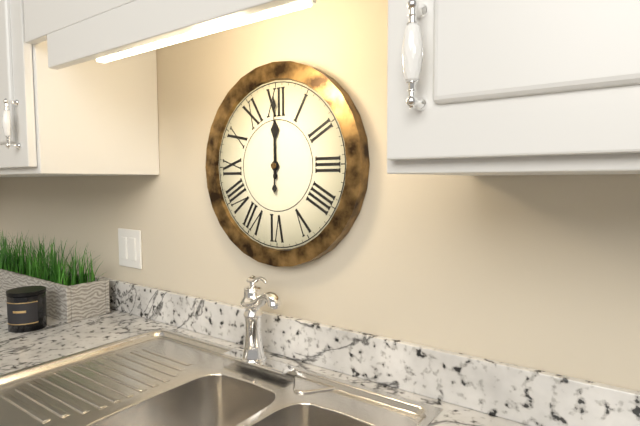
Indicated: 12 h 00 min
